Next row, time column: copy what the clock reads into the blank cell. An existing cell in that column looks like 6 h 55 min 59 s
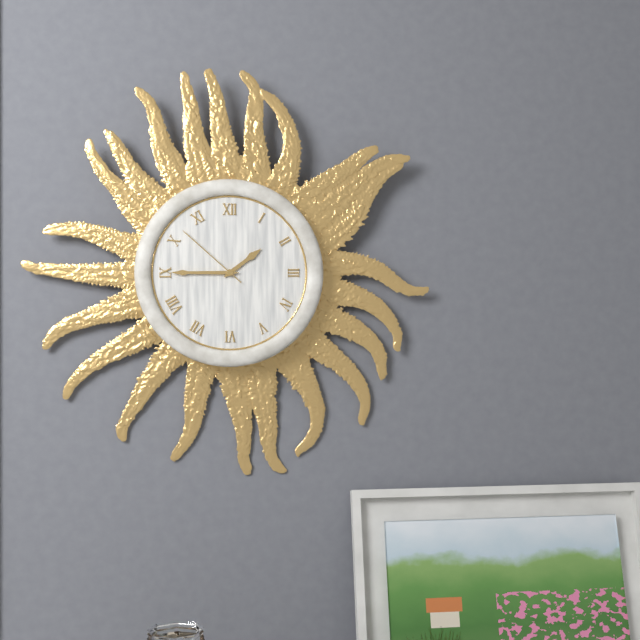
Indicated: 1 h 45 min 52 s
